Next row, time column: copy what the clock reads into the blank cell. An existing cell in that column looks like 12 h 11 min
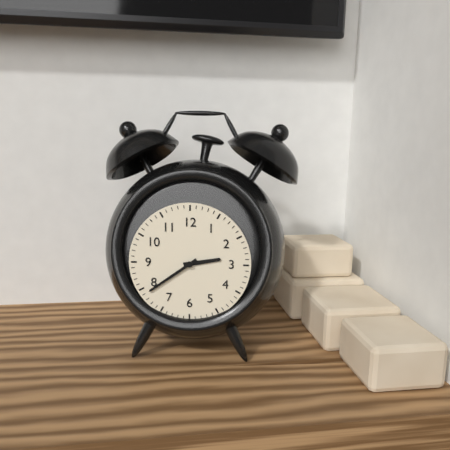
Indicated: 2 h 39 min
